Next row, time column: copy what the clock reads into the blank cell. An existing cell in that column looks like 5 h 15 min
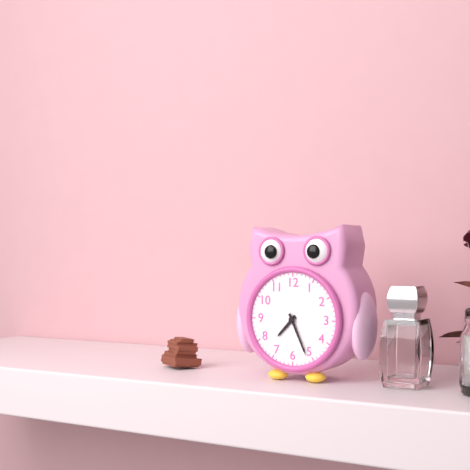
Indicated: 7 h 26 min
